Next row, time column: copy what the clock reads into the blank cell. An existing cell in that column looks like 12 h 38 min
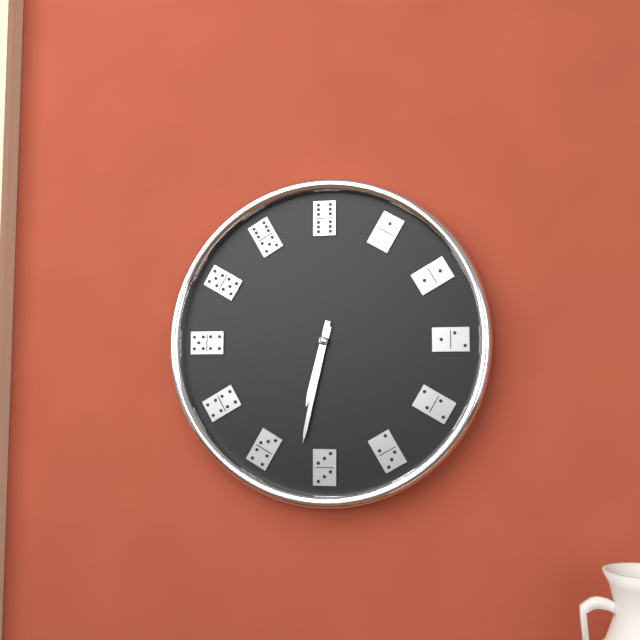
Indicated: 6 h 32 min
